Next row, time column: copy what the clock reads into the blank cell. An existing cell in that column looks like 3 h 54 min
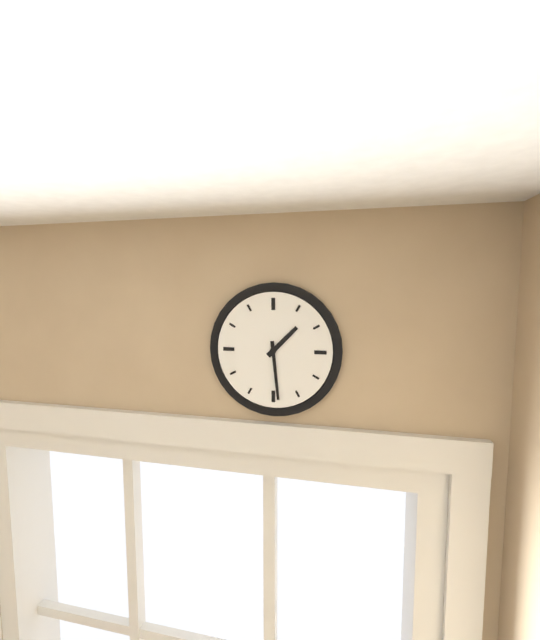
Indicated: 1 h 29 min
